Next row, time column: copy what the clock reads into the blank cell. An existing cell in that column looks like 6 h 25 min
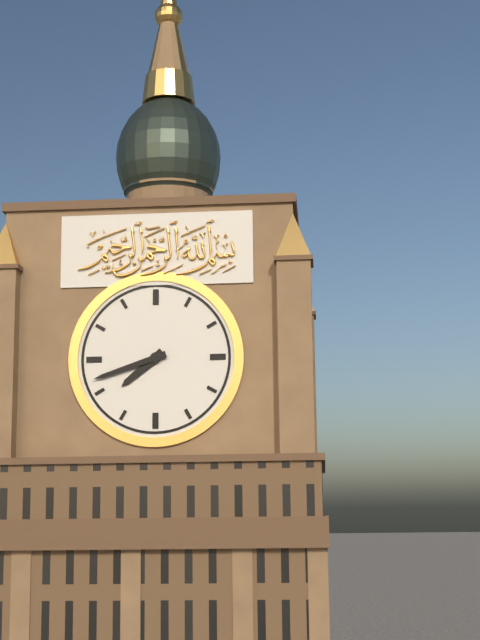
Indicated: 7 h 42 min
